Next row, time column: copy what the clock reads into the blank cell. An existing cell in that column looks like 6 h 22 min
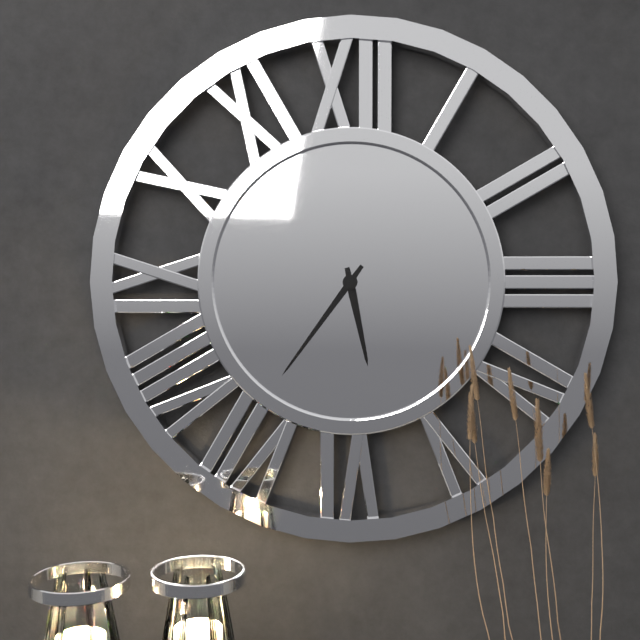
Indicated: 5 h 36 min
